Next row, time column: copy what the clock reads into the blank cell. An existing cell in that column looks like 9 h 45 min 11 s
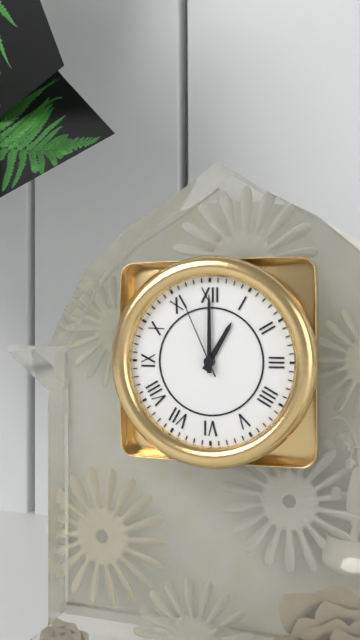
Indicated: 1 h 00 min 56 s
